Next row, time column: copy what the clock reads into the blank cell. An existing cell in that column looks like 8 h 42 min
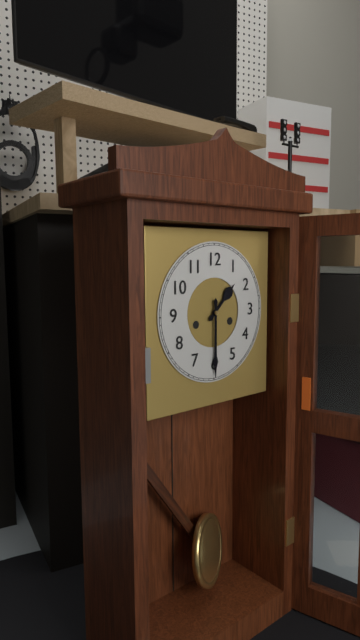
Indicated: 1 h 30 min
